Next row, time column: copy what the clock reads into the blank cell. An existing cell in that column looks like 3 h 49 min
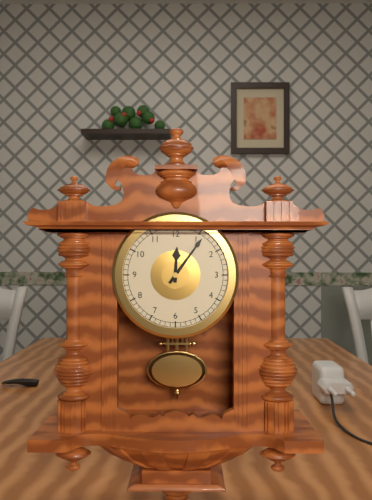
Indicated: 12 h 06 min
